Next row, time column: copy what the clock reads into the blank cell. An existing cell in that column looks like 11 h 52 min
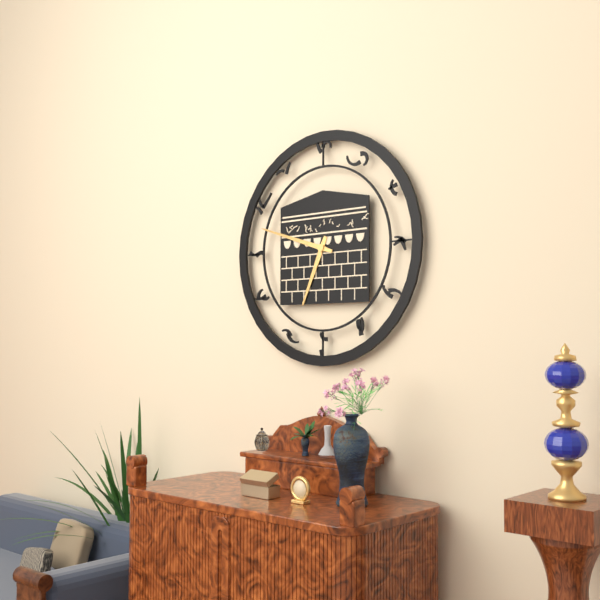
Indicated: 6 h 48 min
